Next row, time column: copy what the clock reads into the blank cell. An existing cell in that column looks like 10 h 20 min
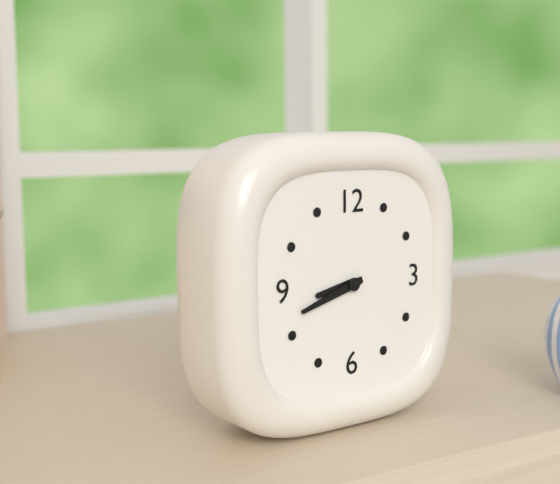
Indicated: 8 h 42 min
